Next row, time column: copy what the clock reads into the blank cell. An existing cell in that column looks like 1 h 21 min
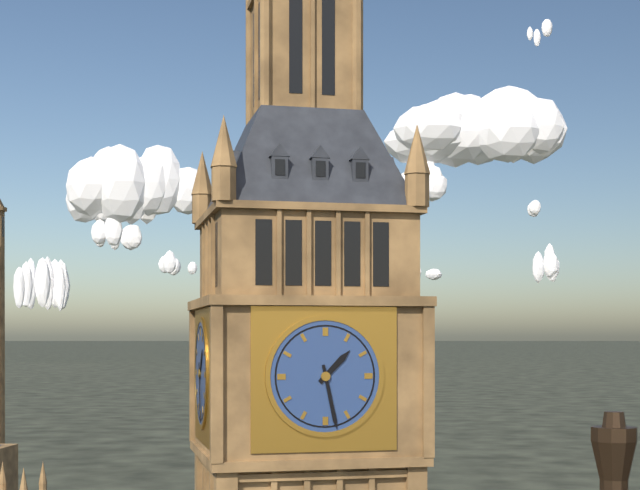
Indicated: 1 h 28 min
